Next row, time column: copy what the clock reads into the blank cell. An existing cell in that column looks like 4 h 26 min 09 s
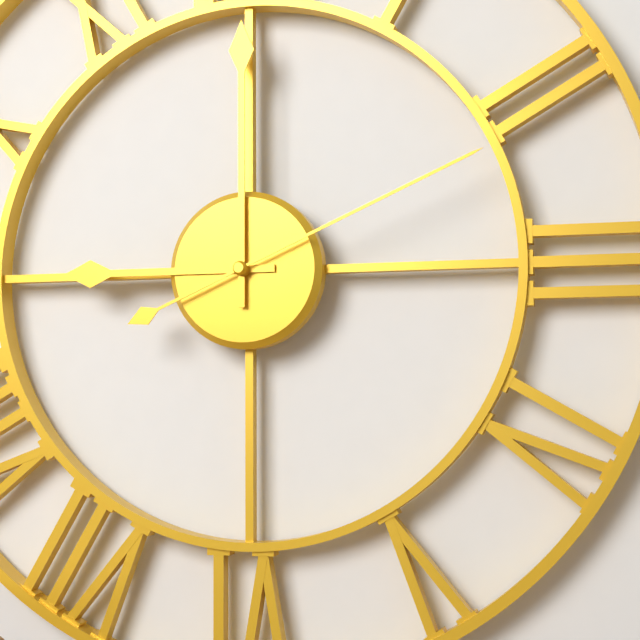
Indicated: 9 h 00 min 11 s
